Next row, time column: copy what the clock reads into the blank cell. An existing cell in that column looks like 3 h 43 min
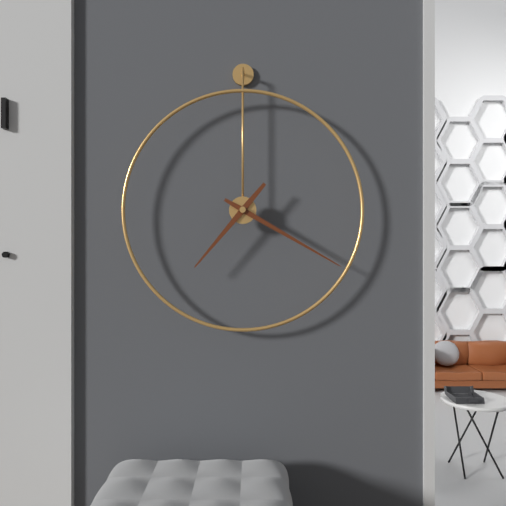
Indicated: 7 h 20 min
